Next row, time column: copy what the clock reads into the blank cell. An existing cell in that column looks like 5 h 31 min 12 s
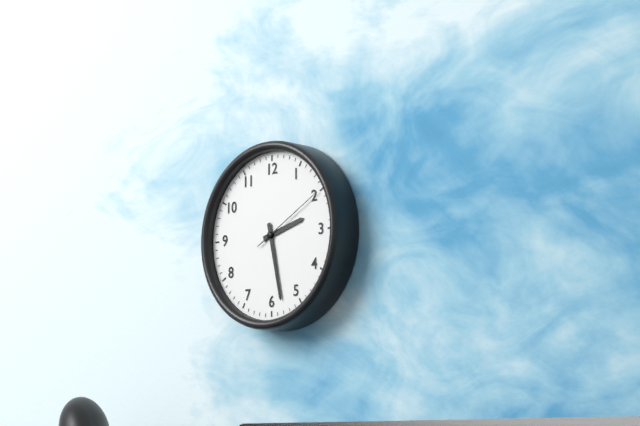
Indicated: 2 h 28 min 10 s
